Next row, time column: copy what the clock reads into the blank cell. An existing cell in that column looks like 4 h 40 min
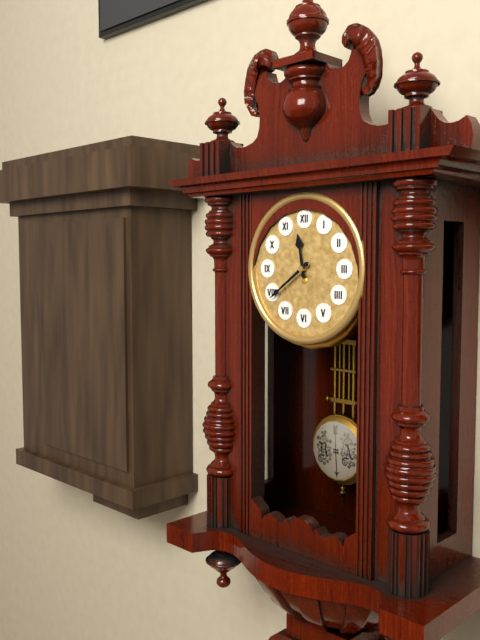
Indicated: 11 h 39 min
